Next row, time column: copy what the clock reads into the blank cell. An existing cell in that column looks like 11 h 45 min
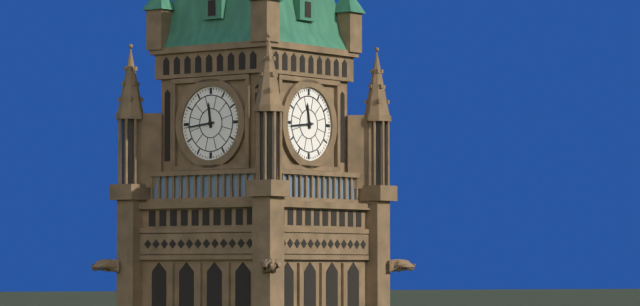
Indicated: 11 h 44 min
